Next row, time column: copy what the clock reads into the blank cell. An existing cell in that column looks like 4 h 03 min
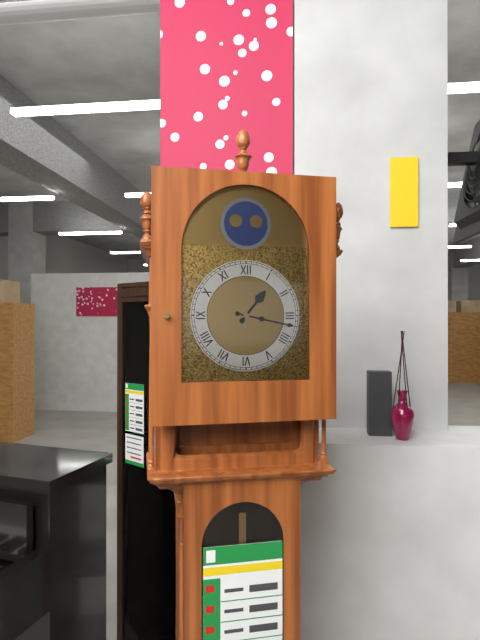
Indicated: 1 h 17 min
